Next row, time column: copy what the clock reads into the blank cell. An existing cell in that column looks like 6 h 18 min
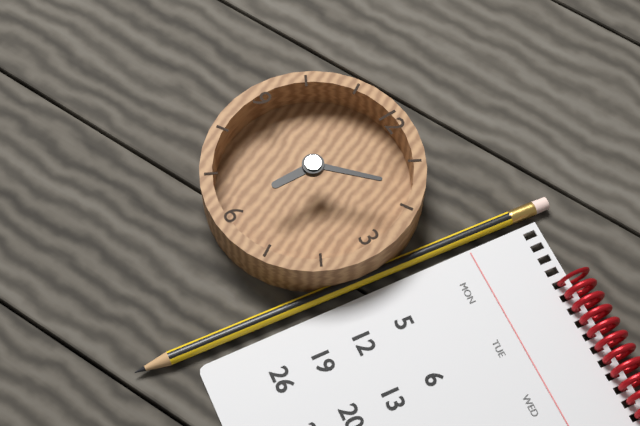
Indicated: 6 h 08 min
